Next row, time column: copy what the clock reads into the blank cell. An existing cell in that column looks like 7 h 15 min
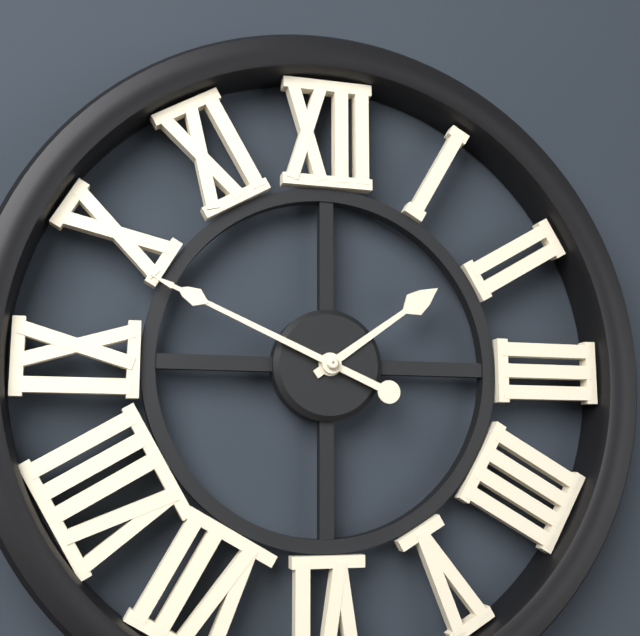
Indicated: 1 h 49 min
